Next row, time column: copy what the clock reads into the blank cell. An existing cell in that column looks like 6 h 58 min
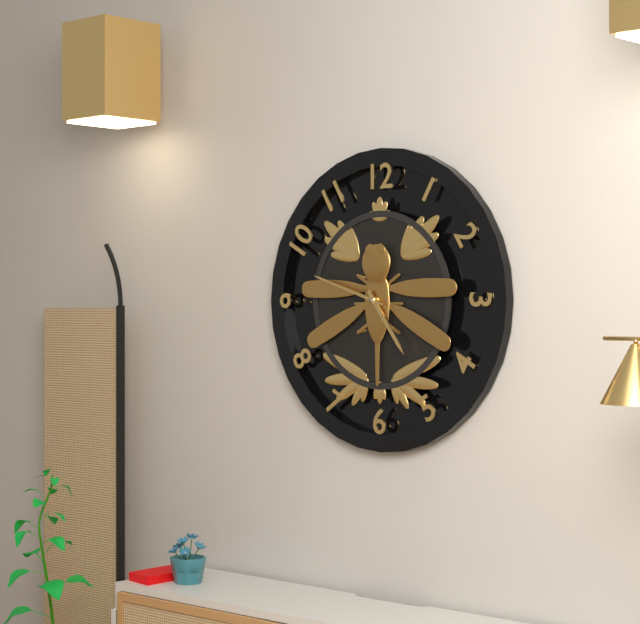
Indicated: 4 h 48 min
